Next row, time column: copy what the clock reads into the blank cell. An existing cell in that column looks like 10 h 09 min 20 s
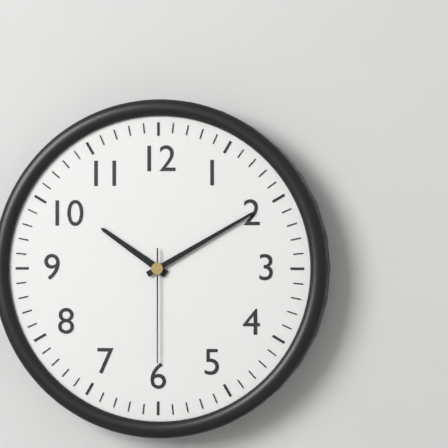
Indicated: 10 h 10 min 30 s
